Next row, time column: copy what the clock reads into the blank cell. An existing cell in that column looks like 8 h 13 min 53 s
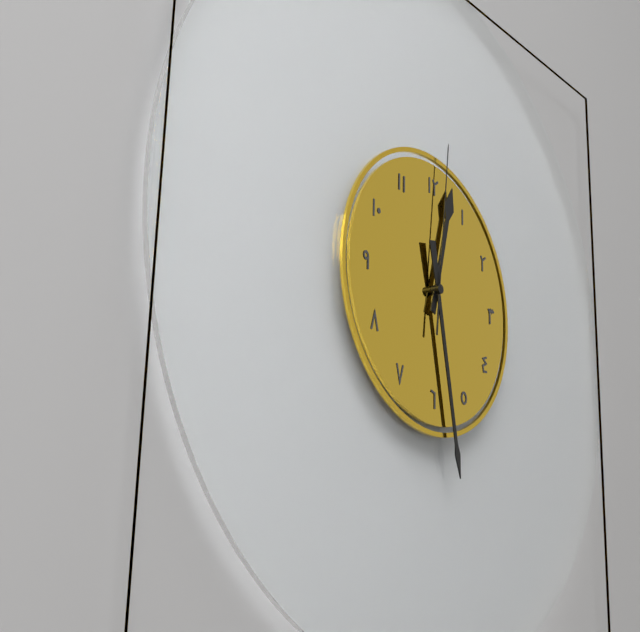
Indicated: 12 h 28 min 01 s
